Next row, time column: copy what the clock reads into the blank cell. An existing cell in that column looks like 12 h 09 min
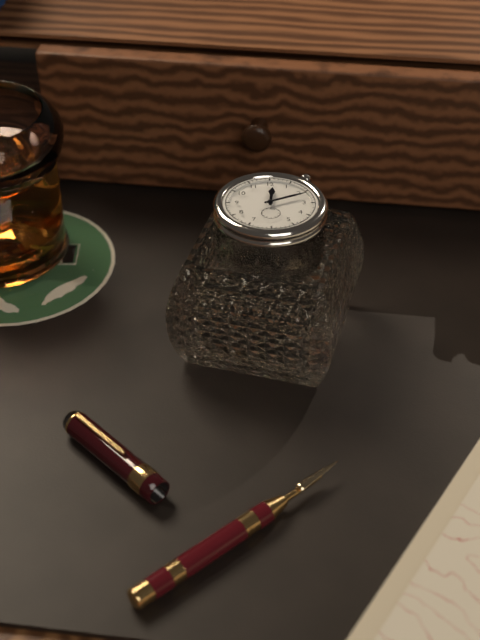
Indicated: 12 h 11 min
